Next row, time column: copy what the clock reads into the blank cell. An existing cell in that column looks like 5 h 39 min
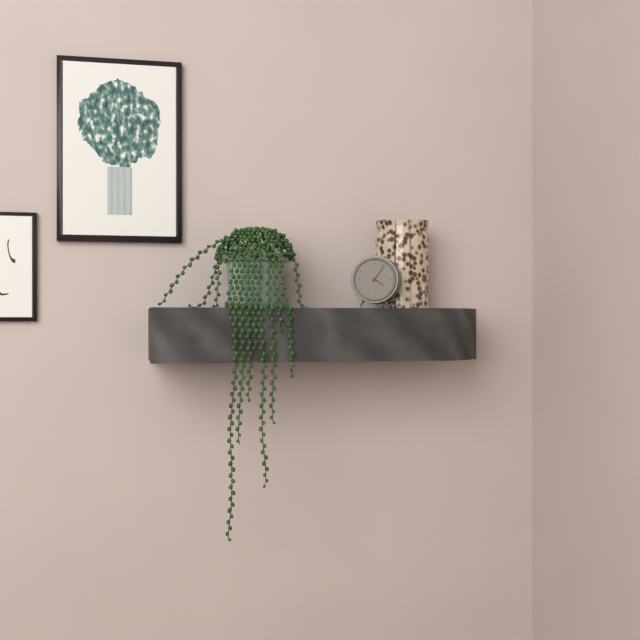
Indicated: 4 h 06 min
